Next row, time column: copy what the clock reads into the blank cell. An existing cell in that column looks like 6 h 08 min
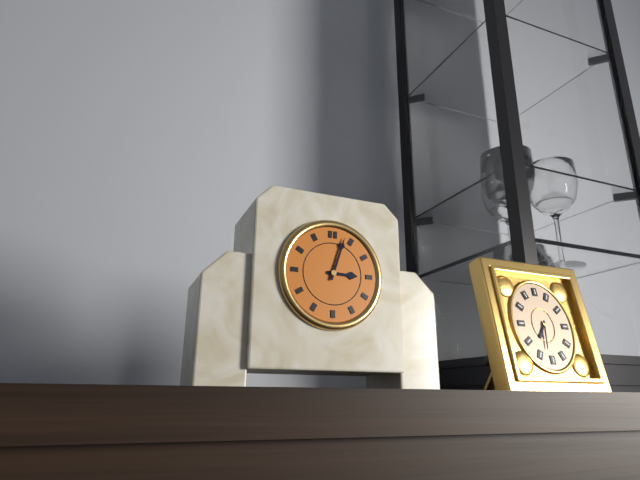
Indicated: 3 h 03 min
